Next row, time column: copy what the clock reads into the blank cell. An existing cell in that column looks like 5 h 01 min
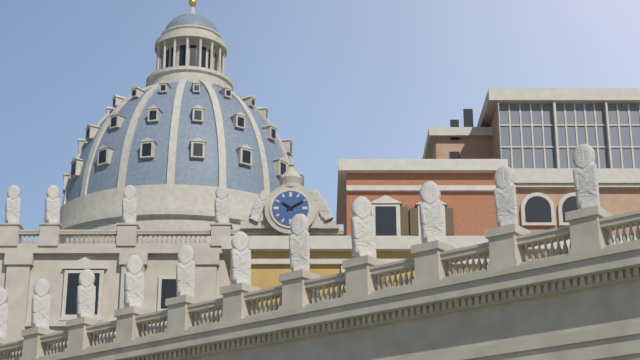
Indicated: 10 h 10 min
